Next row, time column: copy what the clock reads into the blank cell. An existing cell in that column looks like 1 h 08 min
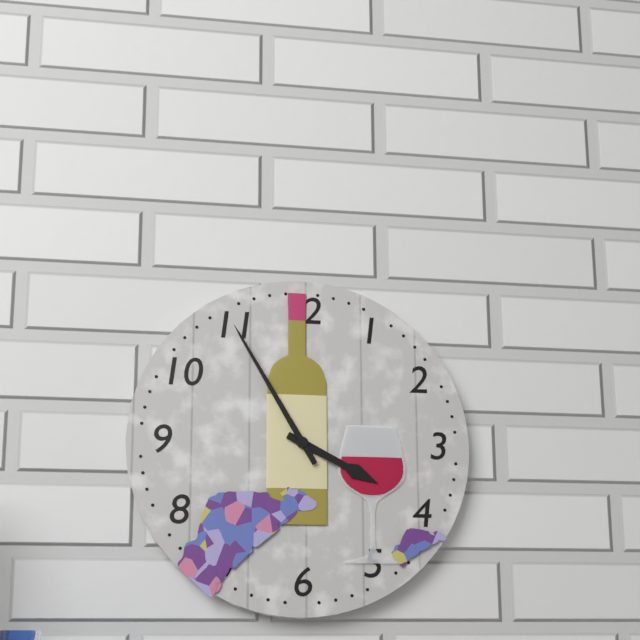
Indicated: 3 h 55 min
